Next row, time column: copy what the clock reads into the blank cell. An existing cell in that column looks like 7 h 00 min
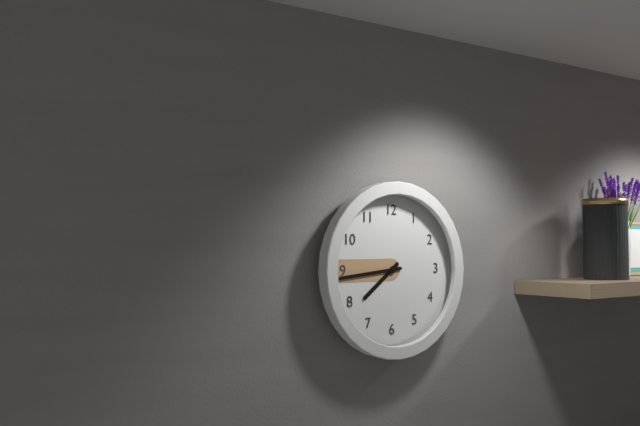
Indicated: 7 h 44 min
